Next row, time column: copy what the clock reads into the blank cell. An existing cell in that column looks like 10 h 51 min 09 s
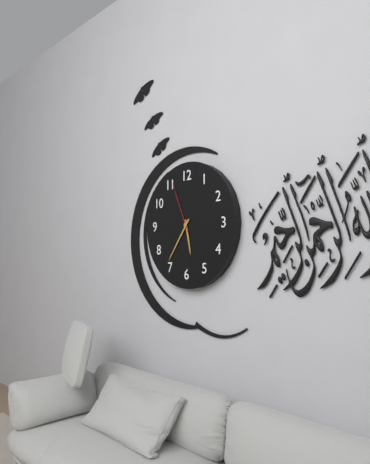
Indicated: 5 h 36 min 56 s
